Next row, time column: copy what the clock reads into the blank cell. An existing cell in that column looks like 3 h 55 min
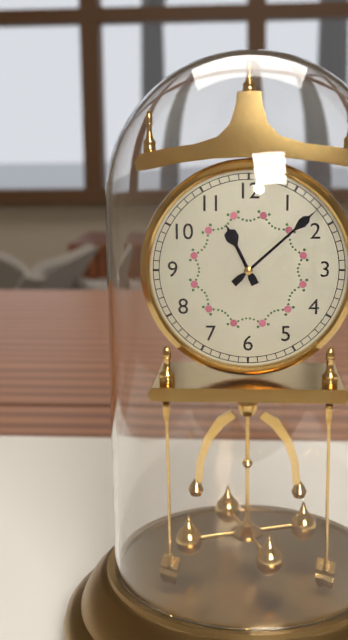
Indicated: 11 h 08 min
